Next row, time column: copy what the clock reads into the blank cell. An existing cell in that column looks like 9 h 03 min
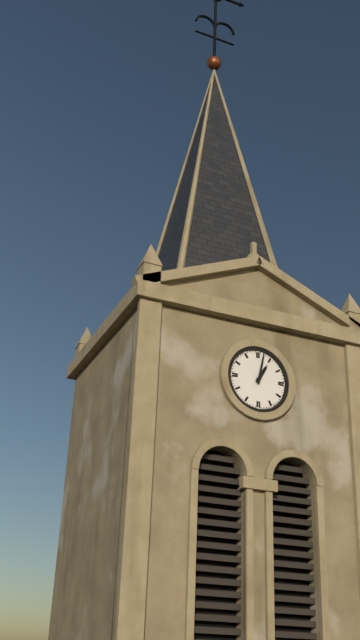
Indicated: 1 h 02 min
